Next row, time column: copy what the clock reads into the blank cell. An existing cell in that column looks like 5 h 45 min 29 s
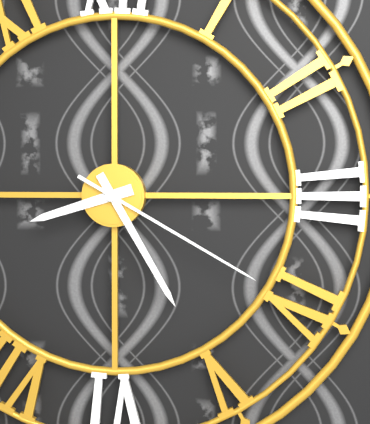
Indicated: 8 h 25 min 20 s
